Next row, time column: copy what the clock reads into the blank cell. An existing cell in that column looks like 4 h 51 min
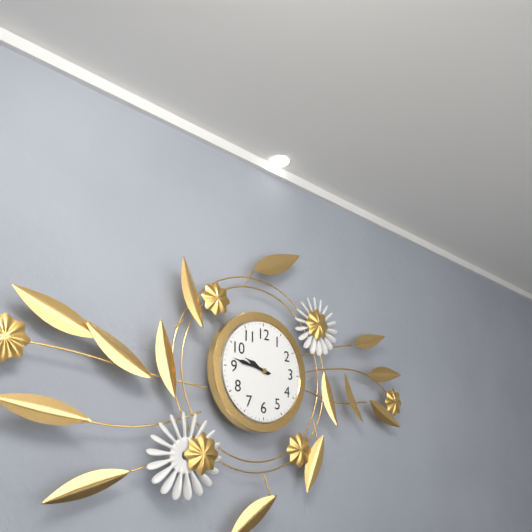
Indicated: 9 h 47 min
